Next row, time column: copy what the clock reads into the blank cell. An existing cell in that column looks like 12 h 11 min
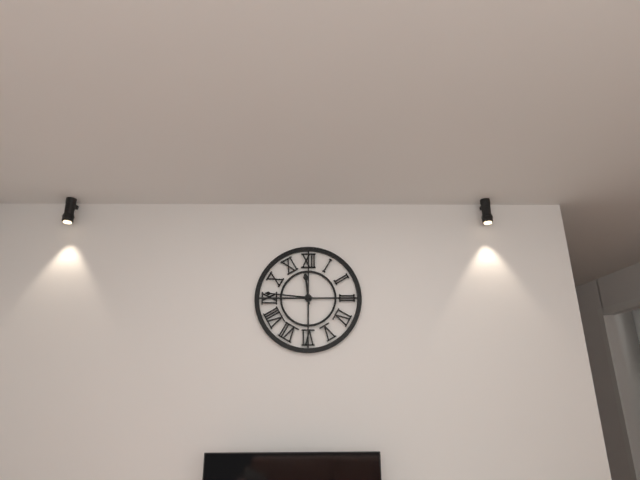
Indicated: 11 h 46 min
